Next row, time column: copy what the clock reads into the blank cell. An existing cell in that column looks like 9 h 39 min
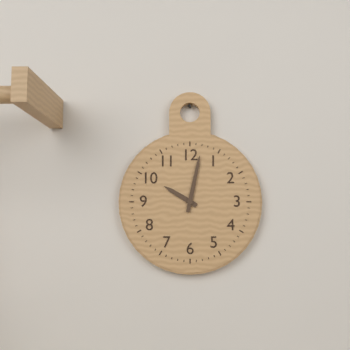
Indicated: 10 h 02 min
